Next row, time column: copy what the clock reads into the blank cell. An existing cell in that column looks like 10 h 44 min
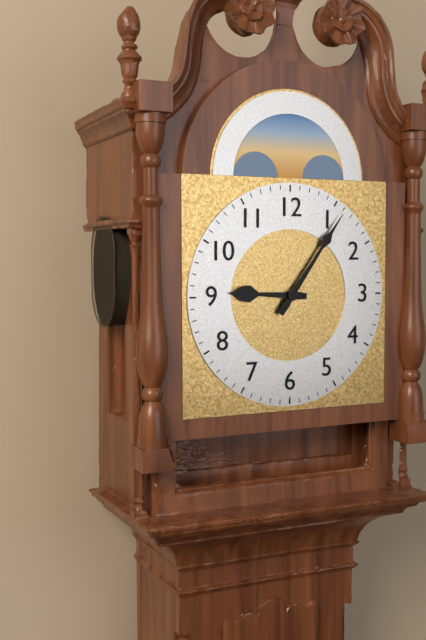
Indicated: 9 h 06 min
